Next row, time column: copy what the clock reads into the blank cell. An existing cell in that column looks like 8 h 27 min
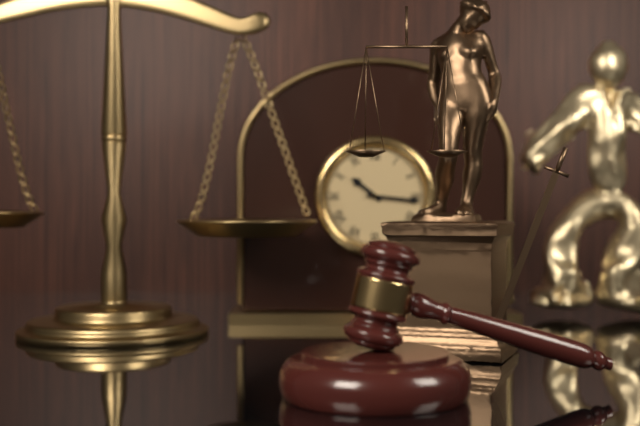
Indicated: 10 h 16 min
